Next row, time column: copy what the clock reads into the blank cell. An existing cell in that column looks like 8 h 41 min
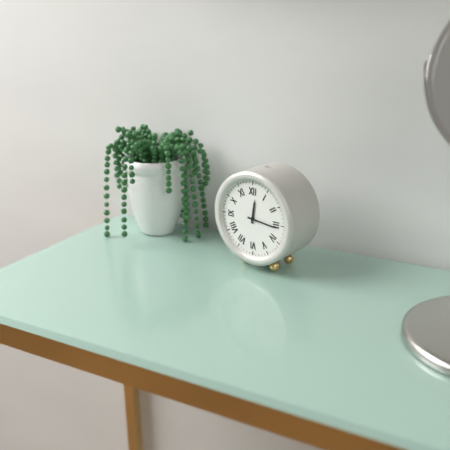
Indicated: 12 h 16 min
